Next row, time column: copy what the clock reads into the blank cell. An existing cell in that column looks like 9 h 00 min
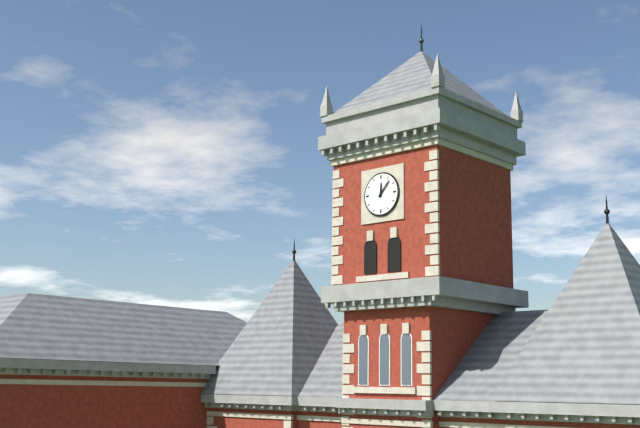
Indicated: 12 h 07 min
